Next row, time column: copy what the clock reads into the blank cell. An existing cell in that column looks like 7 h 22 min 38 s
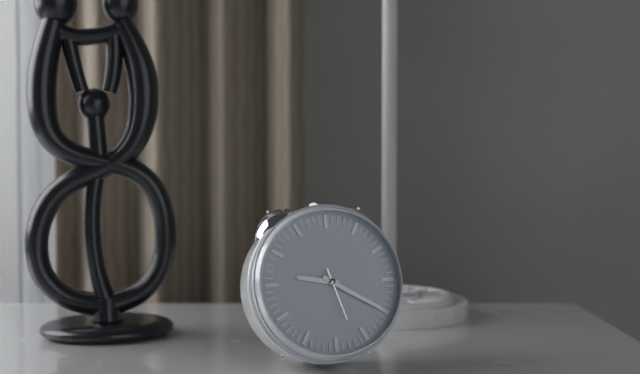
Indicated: 9 h 20 min 27 s
